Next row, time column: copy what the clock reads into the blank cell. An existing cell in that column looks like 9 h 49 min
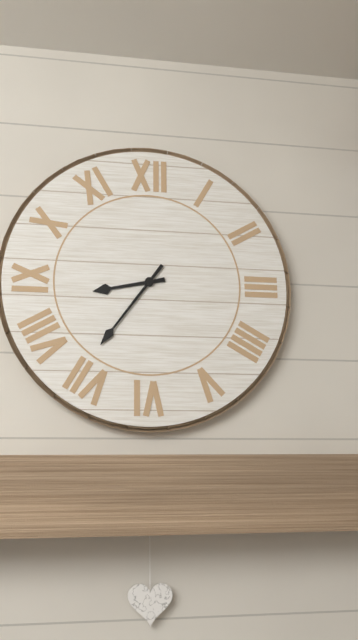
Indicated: 8 h 36 min
